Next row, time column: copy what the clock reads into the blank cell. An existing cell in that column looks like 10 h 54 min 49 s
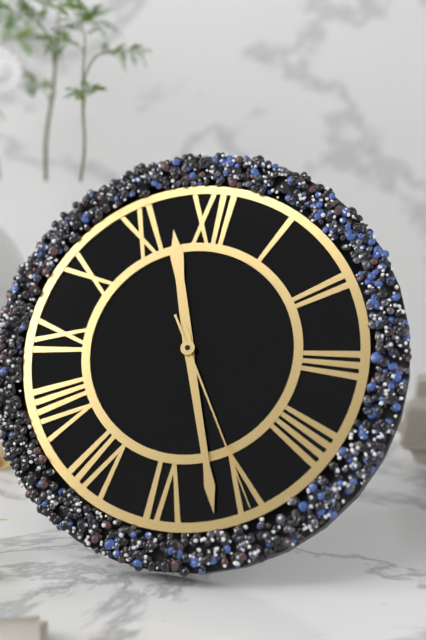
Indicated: 11 h 27 min 25 s
